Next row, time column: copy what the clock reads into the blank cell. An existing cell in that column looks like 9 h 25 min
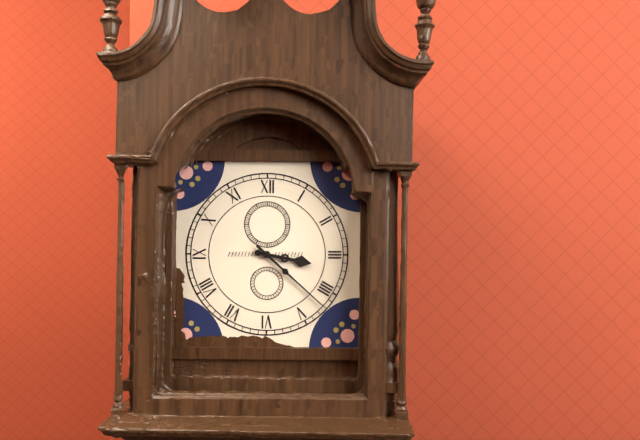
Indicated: 3 h 22 min
